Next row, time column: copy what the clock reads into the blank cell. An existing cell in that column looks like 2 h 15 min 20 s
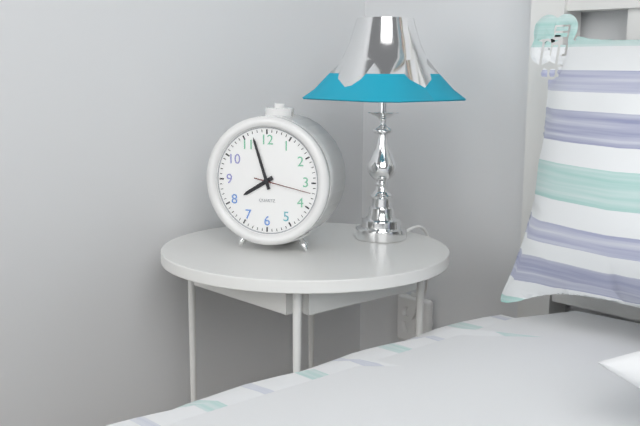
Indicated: 7 h 57 min 17 s
